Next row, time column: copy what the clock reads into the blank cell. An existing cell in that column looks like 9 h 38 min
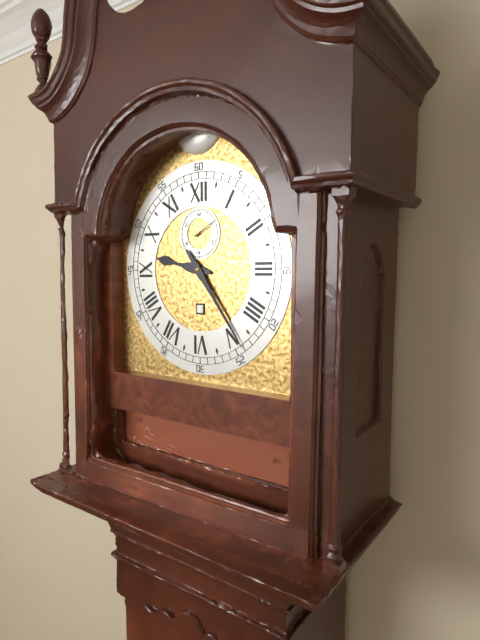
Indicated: 9 h 24 min
